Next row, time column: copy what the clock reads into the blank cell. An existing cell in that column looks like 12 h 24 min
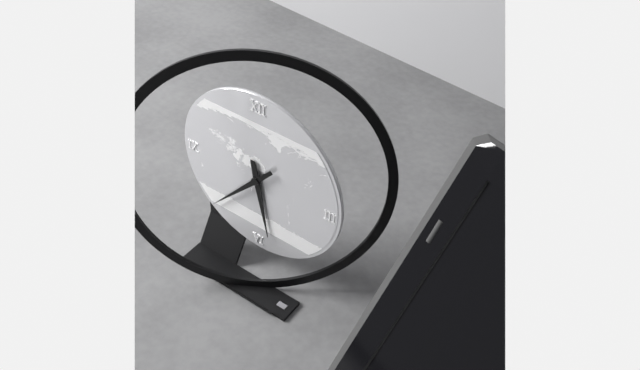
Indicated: 5 h 37 min
